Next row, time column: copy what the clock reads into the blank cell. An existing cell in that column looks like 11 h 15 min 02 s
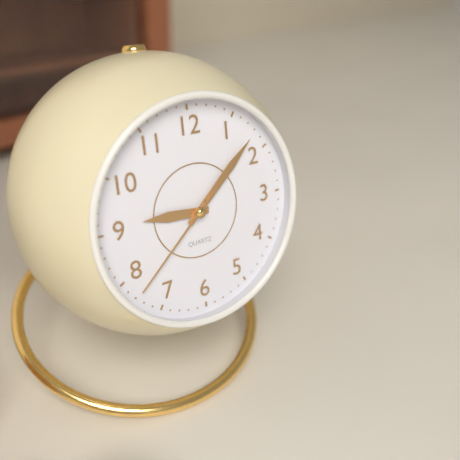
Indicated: 9 h 08 min 38 s
